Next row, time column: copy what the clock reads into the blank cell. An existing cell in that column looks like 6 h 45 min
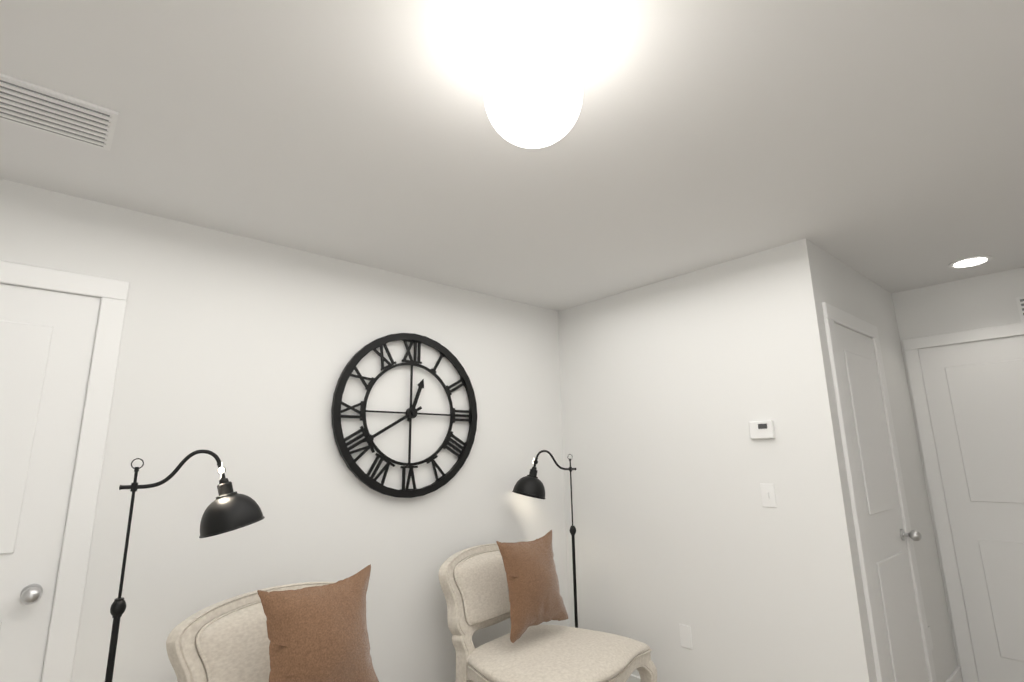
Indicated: 12 h 40 min
